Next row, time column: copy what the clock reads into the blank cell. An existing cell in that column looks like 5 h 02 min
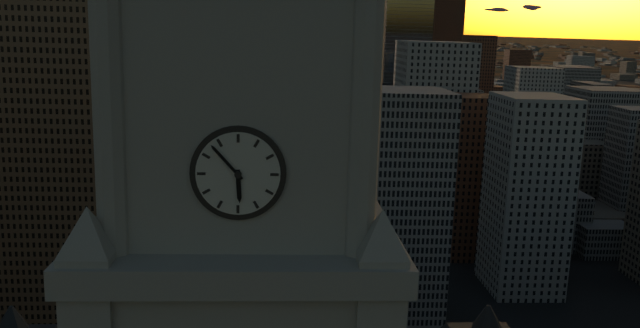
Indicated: 5 h 53 min
